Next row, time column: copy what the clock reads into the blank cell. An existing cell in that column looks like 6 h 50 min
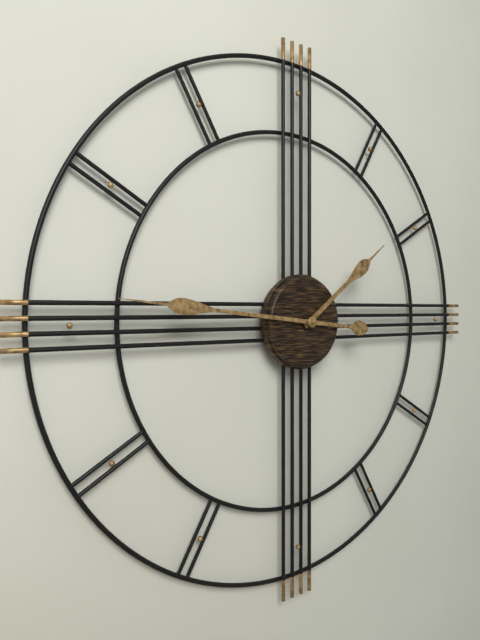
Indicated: 1 h 46 min
